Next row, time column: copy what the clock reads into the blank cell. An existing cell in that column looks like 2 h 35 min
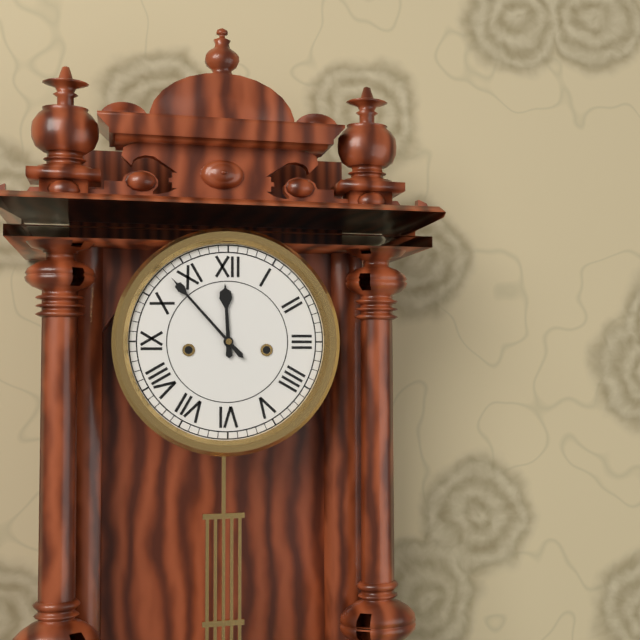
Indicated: 11 h 53 min
